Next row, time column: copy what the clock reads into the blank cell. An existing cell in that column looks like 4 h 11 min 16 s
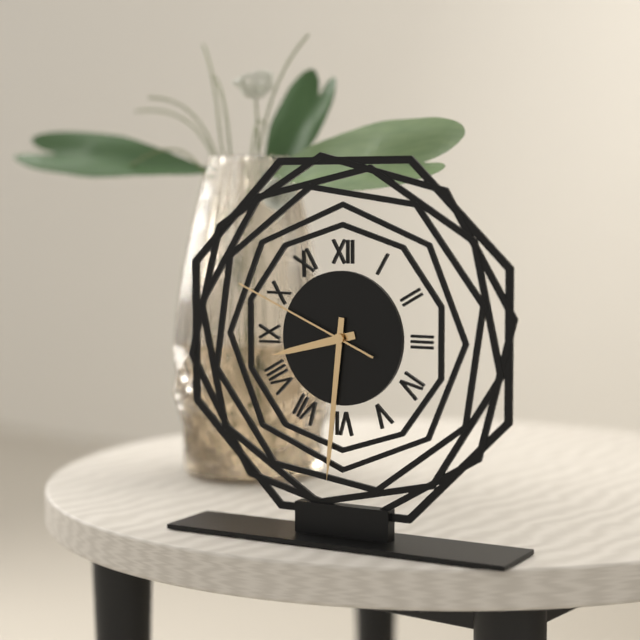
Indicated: 8 h 31 min 49 s
